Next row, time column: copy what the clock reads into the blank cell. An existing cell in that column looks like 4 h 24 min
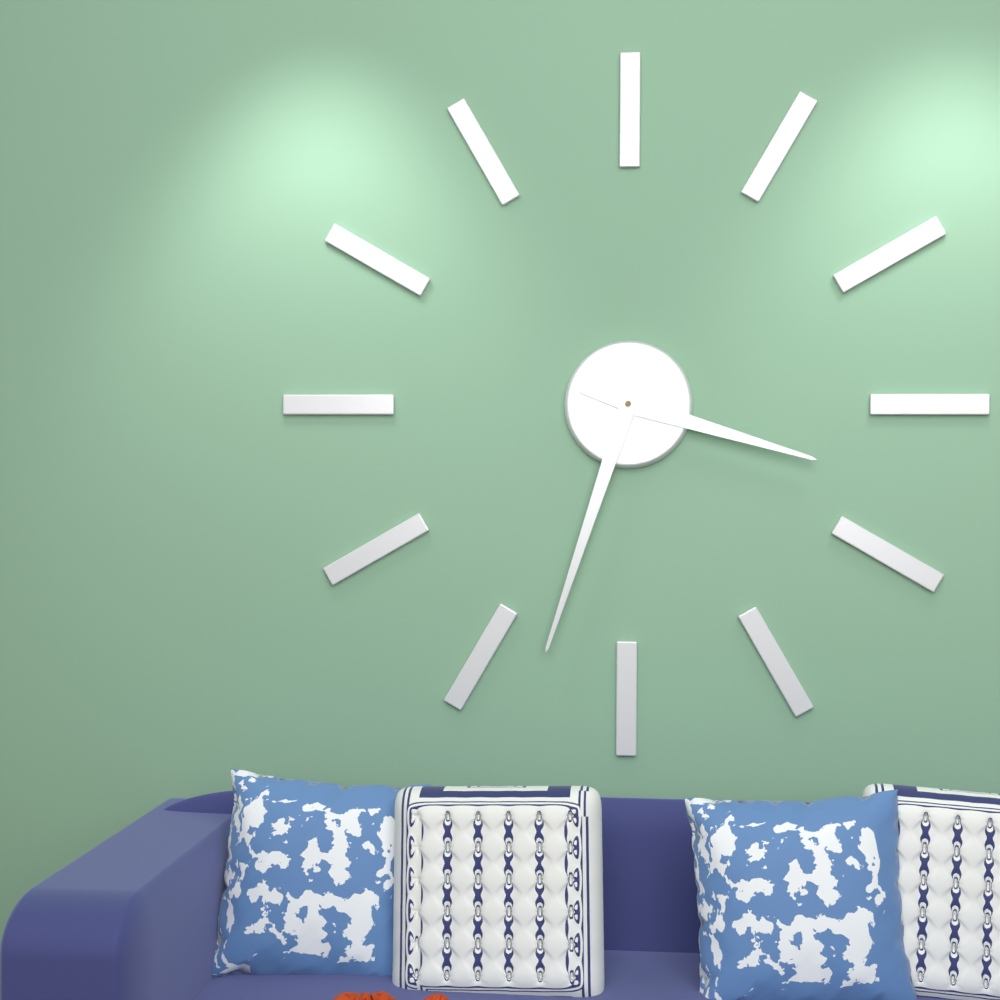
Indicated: 3 h 33 min
